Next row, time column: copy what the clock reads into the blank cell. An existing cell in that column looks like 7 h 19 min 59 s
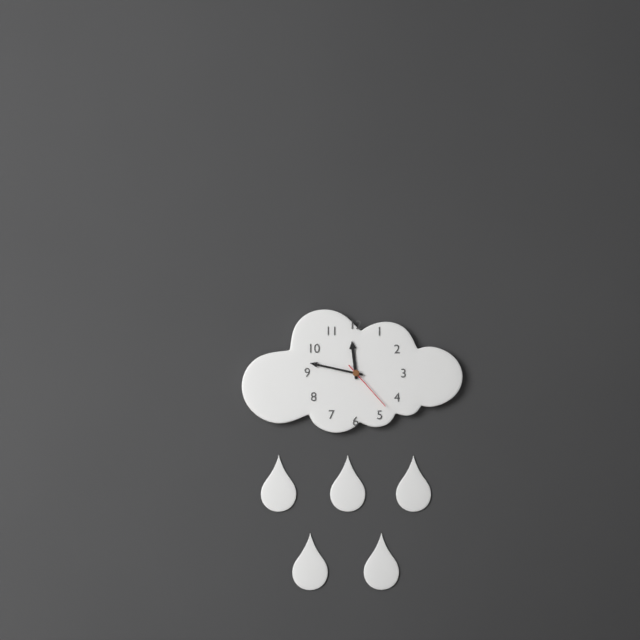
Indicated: 11 h 47 min 23 s
